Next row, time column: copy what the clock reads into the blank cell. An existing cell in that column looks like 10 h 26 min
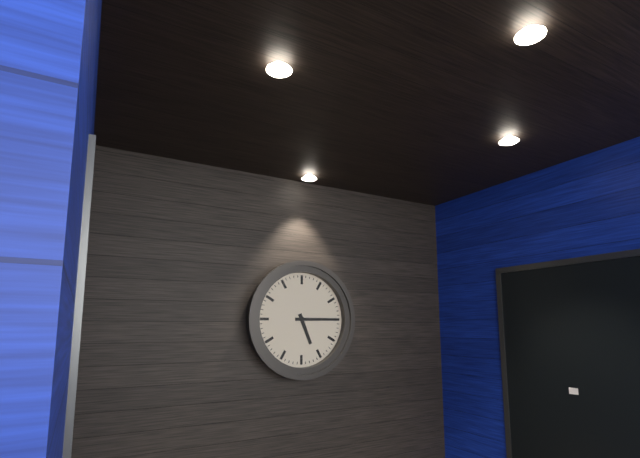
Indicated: 5 h 15 min
